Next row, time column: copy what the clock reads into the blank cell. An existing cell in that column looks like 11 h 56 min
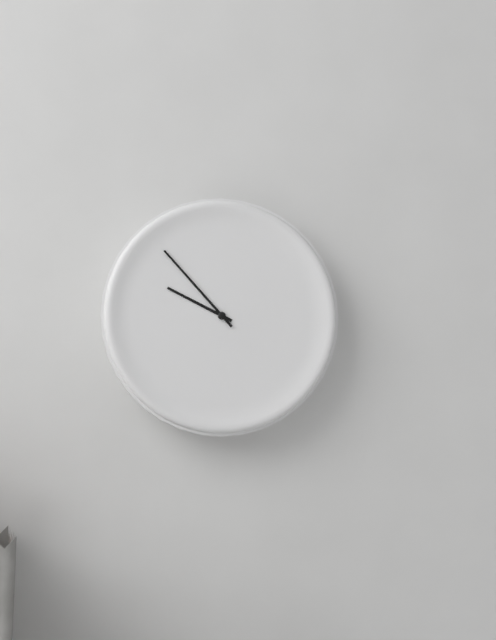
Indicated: 9 h 53 min
